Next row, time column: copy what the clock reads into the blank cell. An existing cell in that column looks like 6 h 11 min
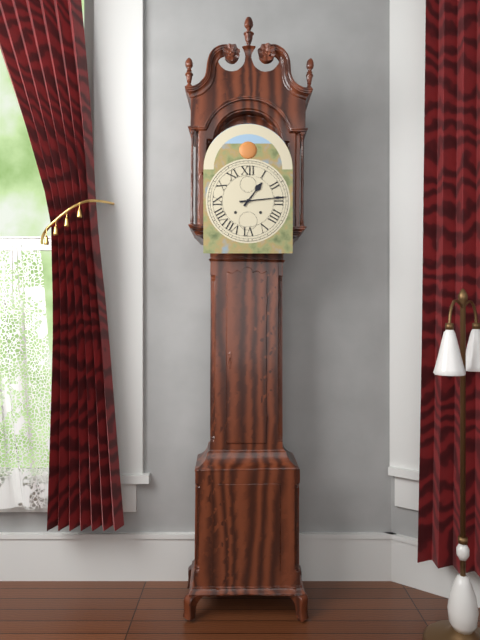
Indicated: 1 h 14 min
